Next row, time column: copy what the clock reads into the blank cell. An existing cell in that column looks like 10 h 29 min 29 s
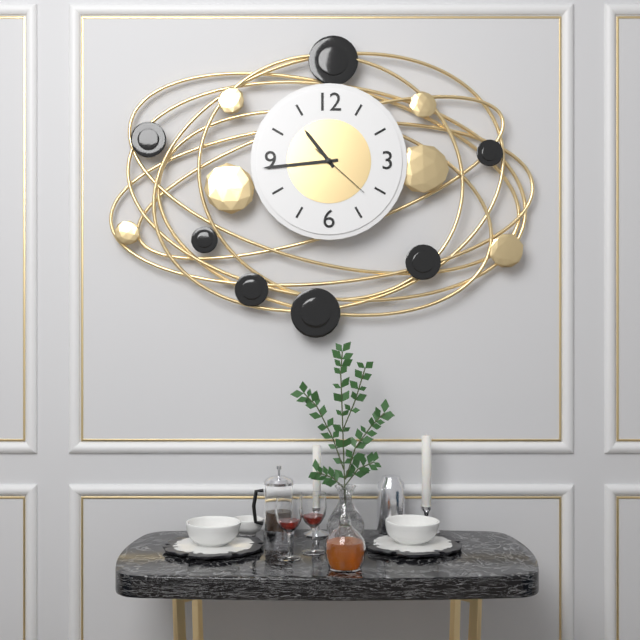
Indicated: 10 h 44 min 22 s
